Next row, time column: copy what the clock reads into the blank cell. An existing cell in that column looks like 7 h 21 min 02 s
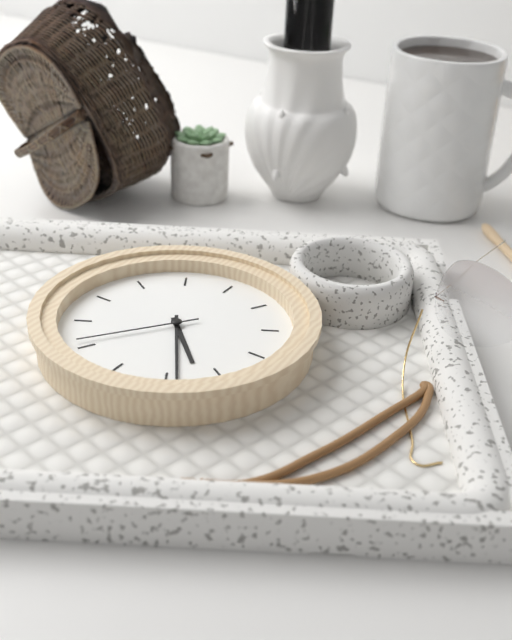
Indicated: 4 h 24 min 36 s
